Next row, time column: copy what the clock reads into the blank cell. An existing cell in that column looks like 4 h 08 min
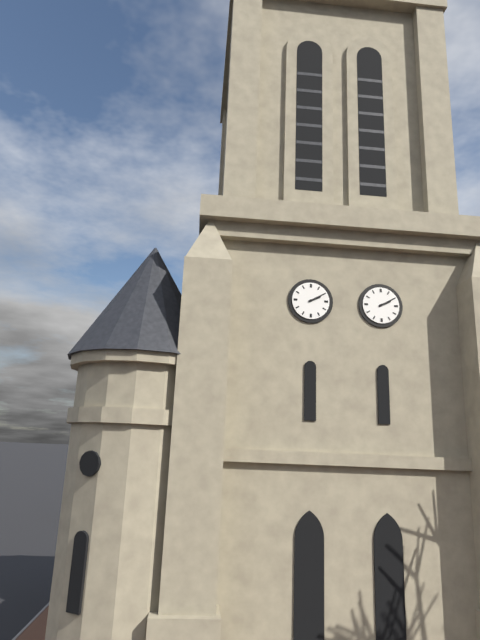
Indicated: 2 h 10 min
